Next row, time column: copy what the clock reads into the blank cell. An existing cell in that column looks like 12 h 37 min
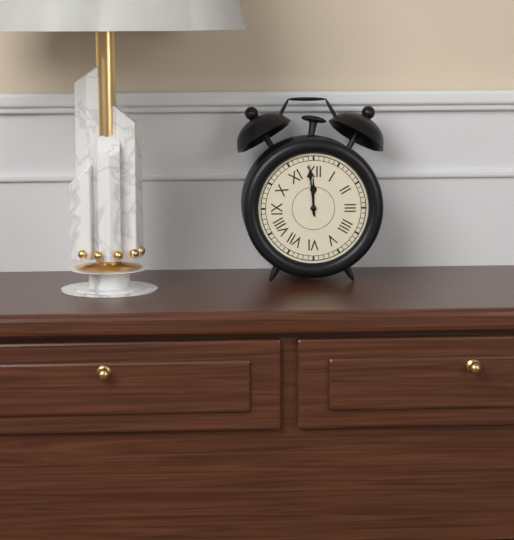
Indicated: 11 h 59 min
